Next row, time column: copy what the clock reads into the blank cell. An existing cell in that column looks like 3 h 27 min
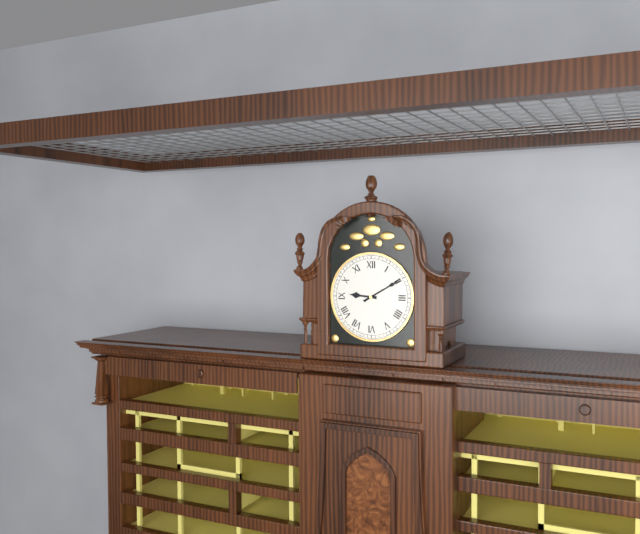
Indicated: 9 h 10 min
